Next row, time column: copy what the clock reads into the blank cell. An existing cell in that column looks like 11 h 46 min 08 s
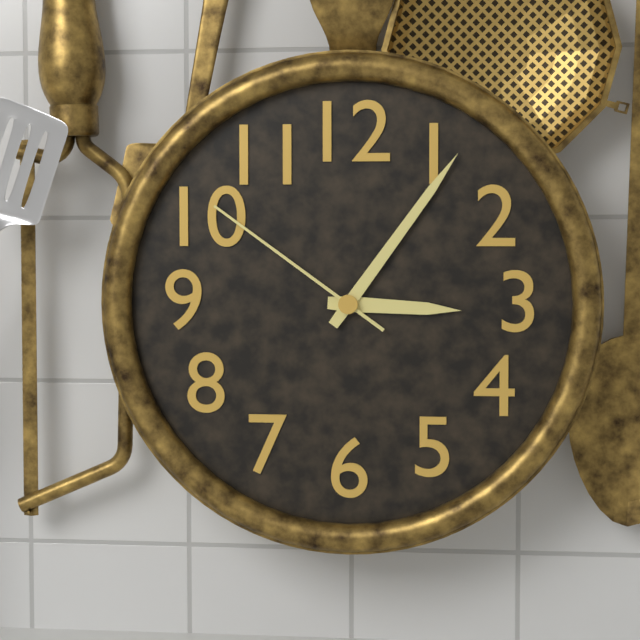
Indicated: 3 h 06 min 51 s
